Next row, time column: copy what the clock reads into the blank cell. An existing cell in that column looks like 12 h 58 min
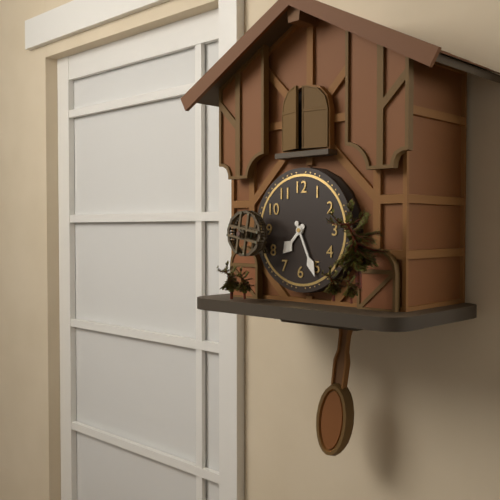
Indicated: 7 h 26 min
